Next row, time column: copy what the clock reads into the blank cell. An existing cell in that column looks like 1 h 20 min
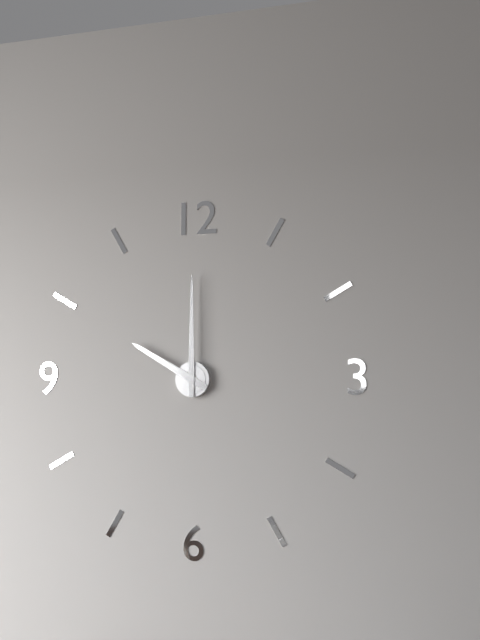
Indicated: 10 h 00 min
